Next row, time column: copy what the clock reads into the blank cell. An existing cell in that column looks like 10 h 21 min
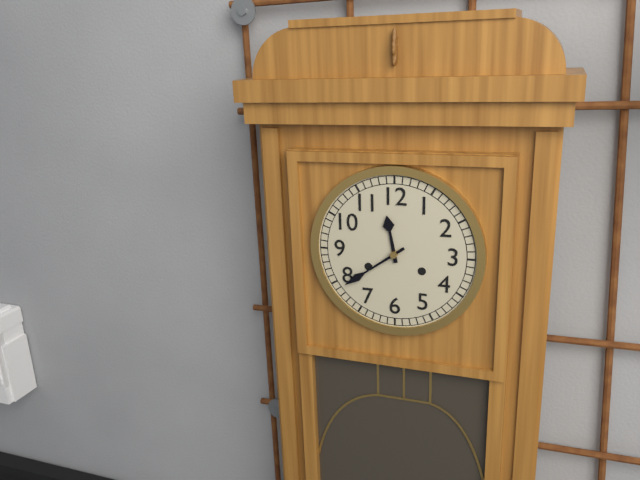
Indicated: 11 h 39 min
